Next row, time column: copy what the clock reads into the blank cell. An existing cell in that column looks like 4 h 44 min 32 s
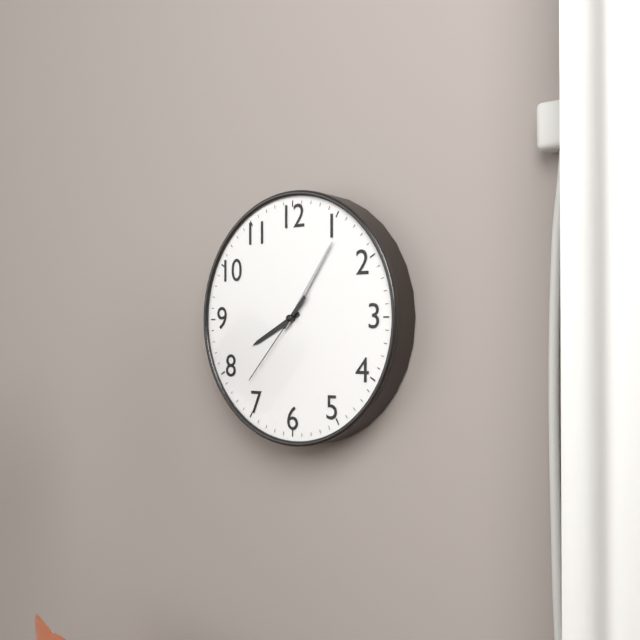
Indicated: 8 h 06 min 37 s
